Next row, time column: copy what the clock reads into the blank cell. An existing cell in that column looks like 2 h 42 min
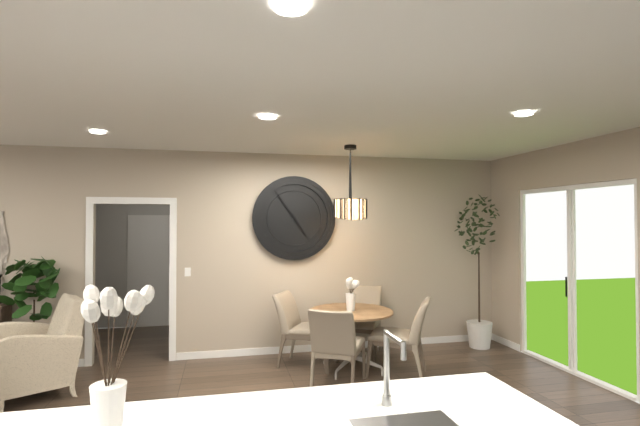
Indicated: 4 h 54 min
